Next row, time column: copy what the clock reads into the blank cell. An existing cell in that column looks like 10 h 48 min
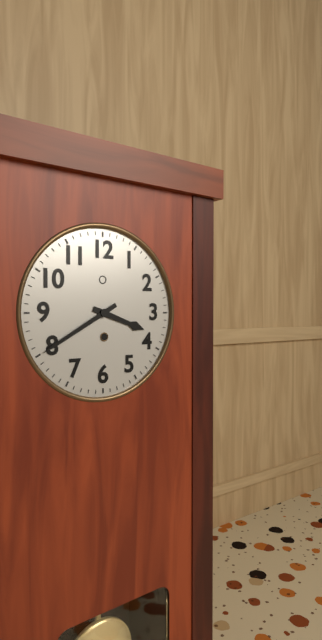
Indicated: 3 h 40 min
